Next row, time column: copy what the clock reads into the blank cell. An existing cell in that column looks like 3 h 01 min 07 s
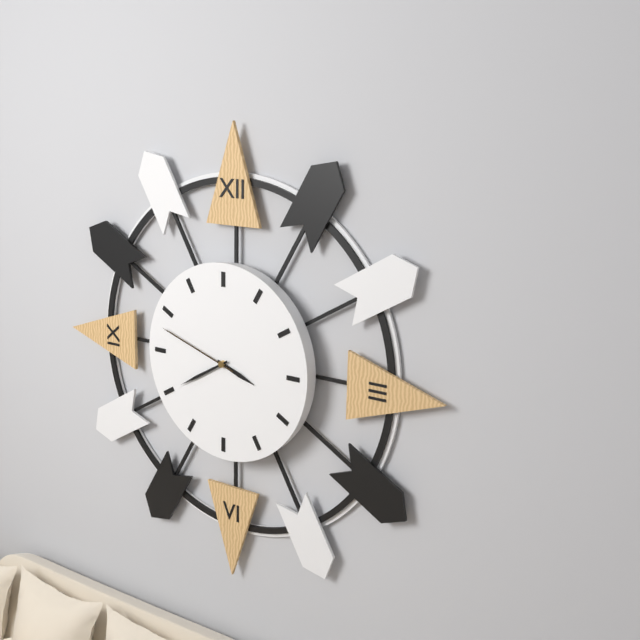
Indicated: 3 h 40 min 48 s
